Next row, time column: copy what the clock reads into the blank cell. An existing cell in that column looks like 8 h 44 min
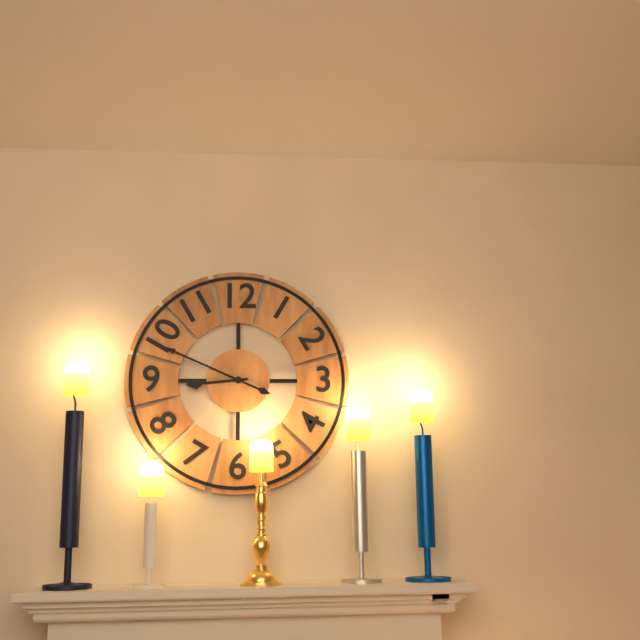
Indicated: 8 h 49 min
